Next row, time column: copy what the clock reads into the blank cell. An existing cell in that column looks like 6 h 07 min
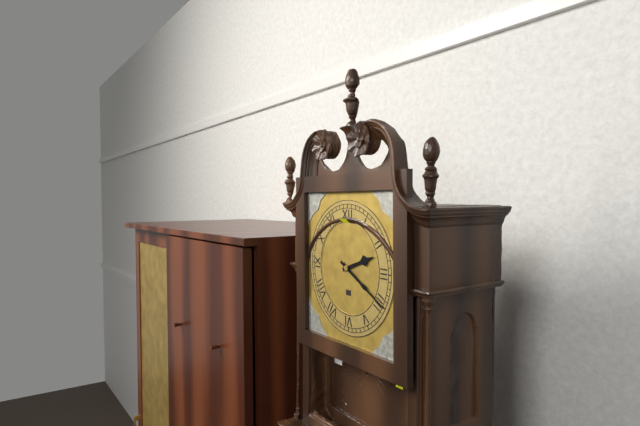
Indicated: 2 h 20 min
